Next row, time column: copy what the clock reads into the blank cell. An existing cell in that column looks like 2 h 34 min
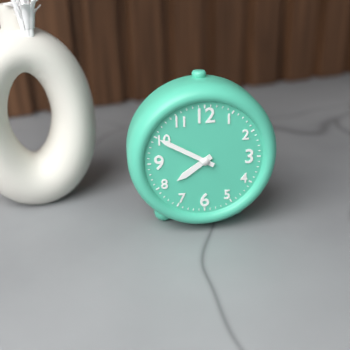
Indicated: 7 h 50 min
